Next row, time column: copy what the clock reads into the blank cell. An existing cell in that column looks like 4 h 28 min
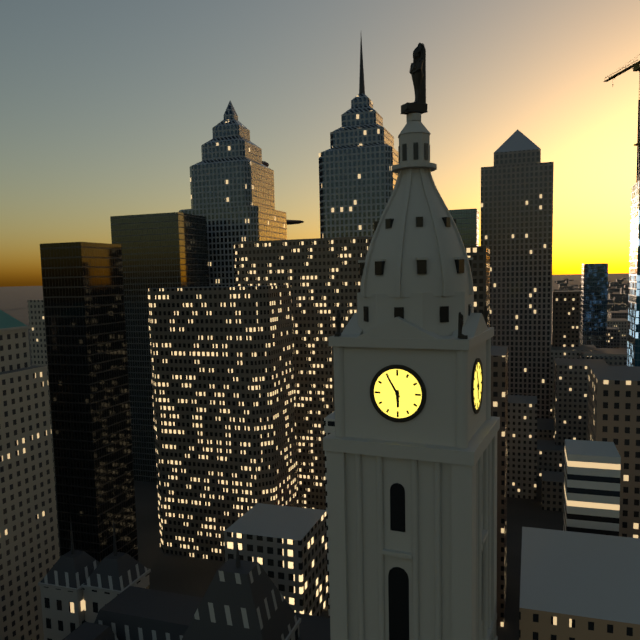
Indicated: 5 h 55 min
